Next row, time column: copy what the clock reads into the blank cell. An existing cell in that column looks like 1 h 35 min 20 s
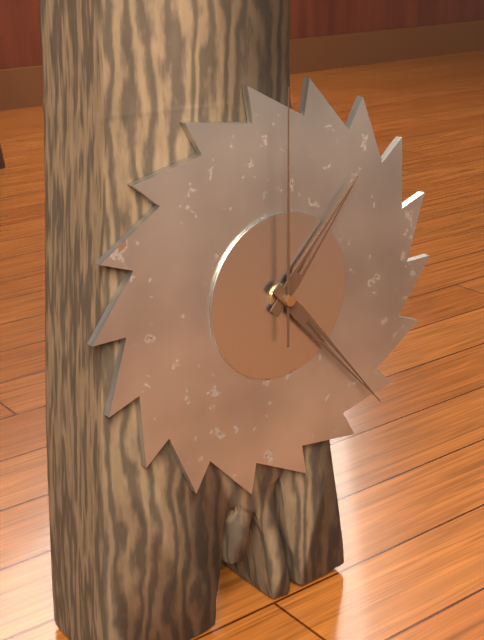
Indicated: 1 h 23 min 00 s
